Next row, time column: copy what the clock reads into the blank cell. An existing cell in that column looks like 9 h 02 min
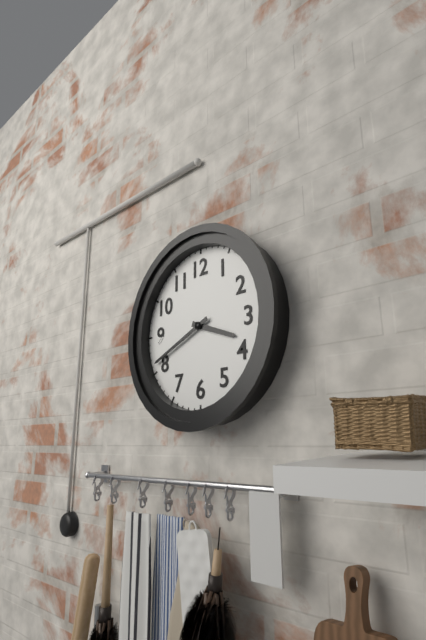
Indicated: 3 h 41 min
